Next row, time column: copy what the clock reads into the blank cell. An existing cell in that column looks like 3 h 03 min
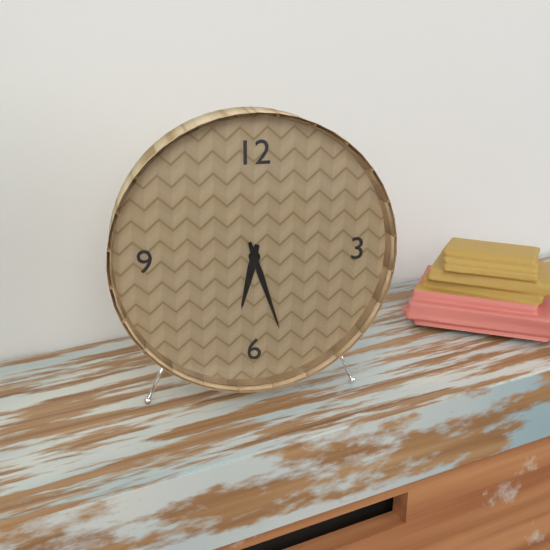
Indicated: 6 h 27 min
